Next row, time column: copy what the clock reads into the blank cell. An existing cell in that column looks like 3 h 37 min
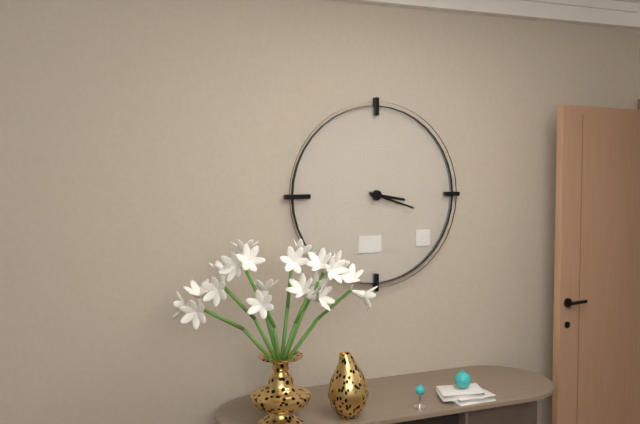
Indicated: 3 h 18 min
